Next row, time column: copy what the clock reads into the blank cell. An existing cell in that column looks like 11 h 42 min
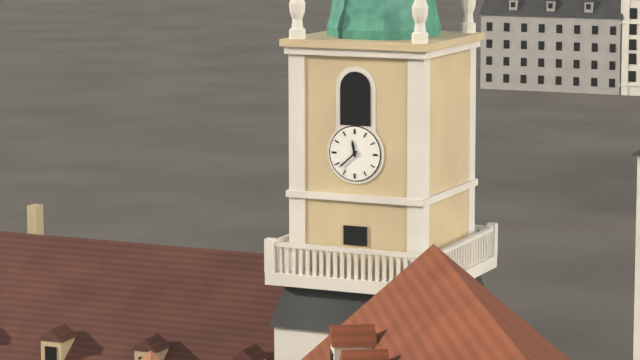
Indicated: 11 h 38 min
